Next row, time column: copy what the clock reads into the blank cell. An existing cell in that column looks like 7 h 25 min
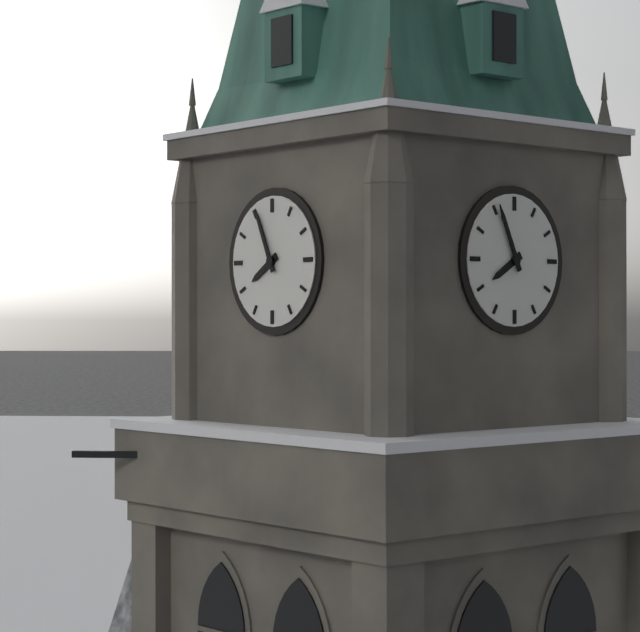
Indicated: 7 h 56 min
